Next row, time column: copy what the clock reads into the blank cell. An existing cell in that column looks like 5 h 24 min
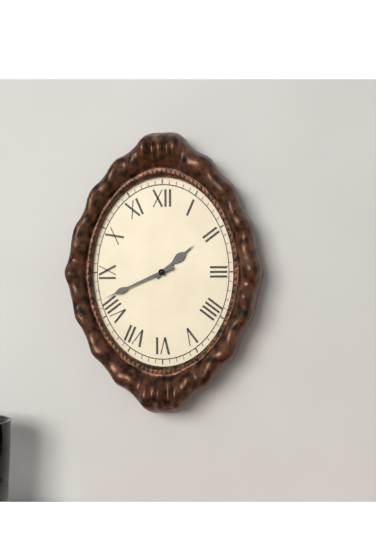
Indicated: 1 h 41 min
